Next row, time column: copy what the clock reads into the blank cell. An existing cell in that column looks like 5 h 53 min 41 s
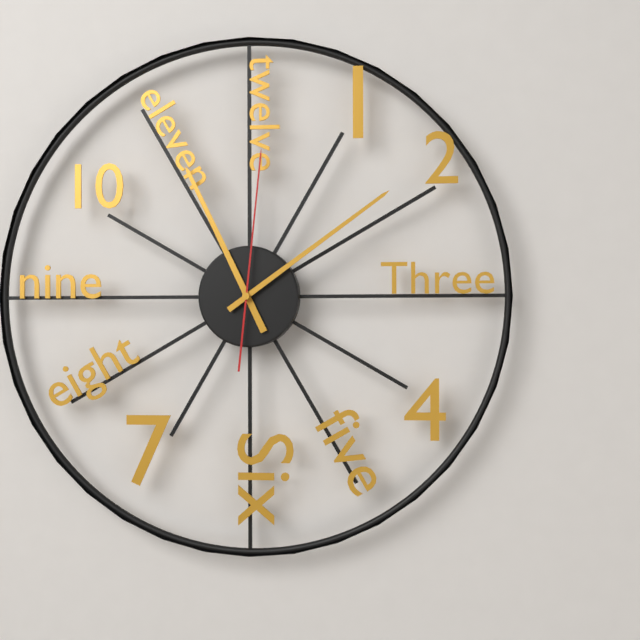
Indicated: 11 h 09 min 01 s
